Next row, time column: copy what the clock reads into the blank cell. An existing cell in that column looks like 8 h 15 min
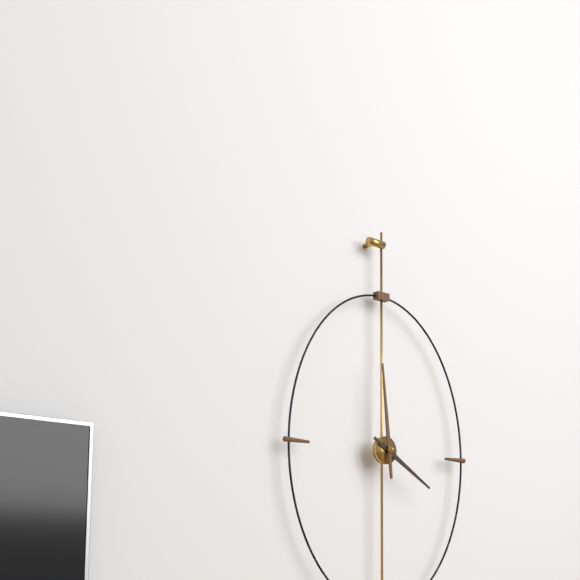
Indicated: 3 h 59 min
